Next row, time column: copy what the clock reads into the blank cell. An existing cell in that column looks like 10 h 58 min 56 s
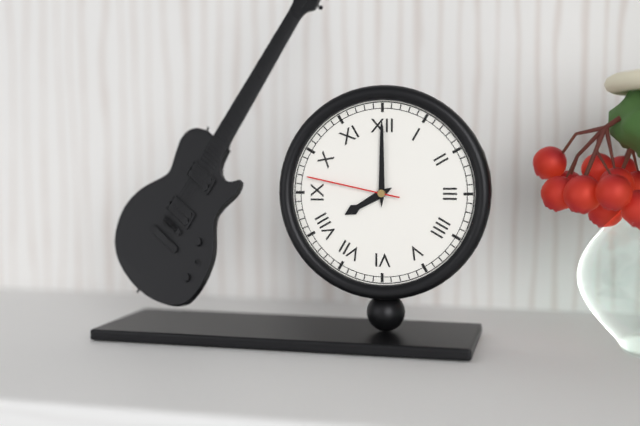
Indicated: 8 h 00 min 47 s
